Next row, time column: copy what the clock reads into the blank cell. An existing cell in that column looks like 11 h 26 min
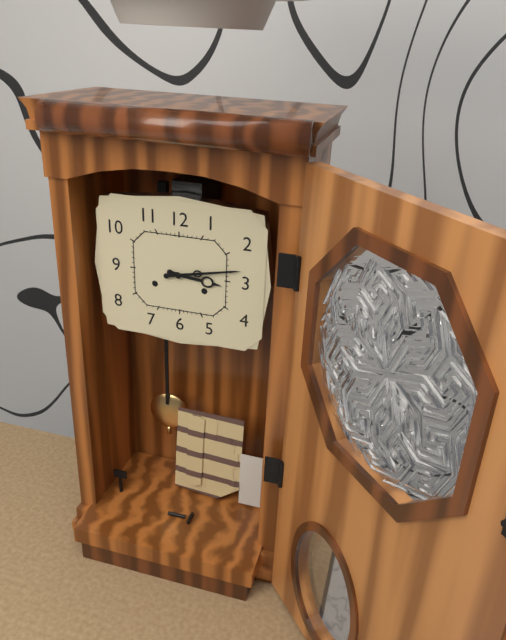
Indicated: 3 h 13 min
